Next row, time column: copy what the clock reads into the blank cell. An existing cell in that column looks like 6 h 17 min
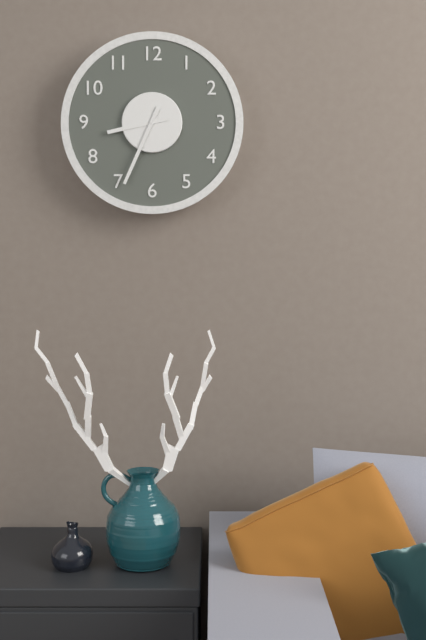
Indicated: 8 h 34 min
